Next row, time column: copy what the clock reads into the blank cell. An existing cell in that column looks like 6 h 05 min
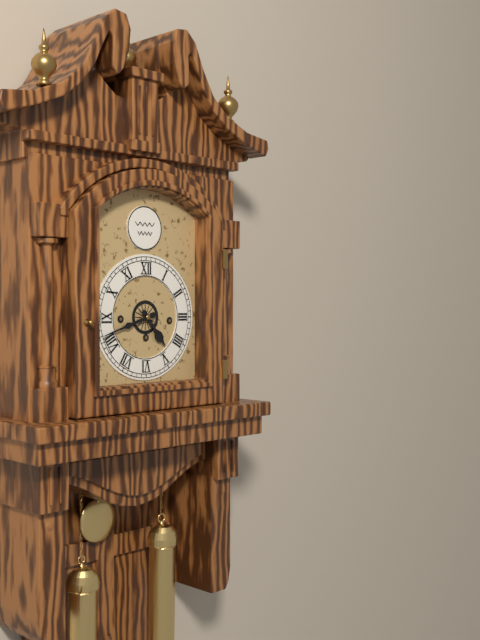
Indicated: 4 h 42 min
